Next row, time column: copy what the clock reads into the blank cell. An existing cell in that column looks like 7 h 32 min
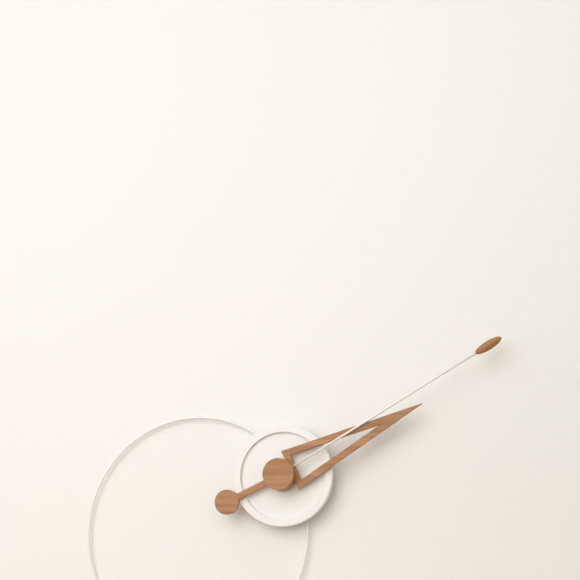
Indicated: 2 h 10 min
